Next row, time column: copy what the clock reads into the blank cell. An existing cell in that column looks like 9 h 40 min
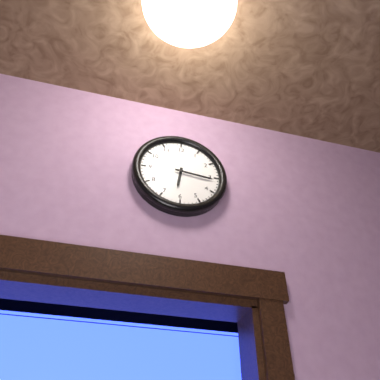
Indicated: 6 h 16 min
